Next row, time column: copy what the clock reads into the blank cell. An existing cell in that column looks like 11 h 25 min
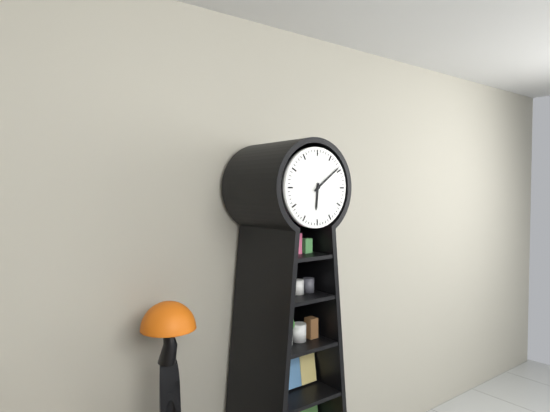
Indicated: 6 h 09 min
